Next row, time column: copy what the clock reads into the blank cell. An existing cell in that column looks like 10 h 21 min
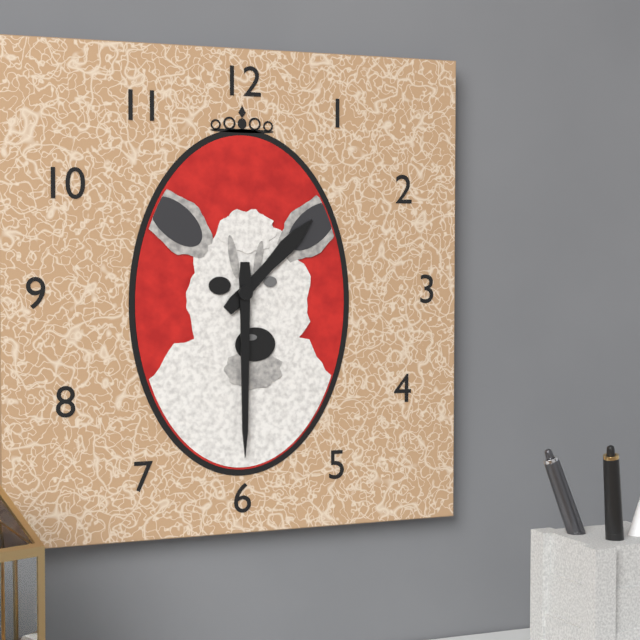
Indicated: 1 h 30 min
